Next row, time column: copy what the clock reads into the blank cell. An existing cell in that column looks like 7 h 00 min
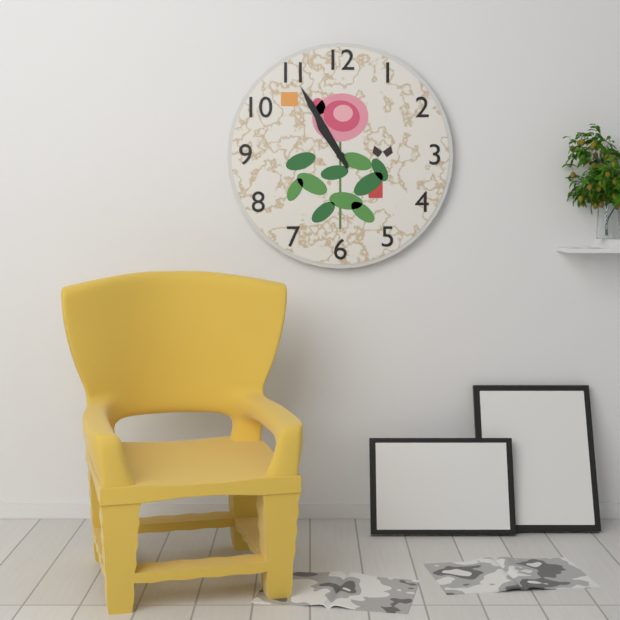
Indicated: 10 h 55 min
